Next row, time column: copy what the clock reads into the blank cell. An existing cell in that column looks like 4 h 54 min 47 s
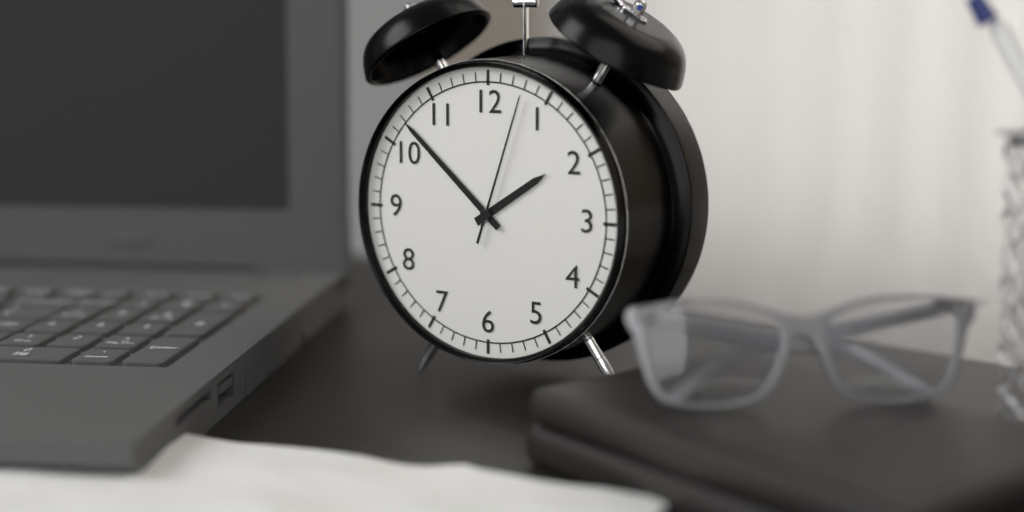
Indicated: 1 h 52 min 03 s
